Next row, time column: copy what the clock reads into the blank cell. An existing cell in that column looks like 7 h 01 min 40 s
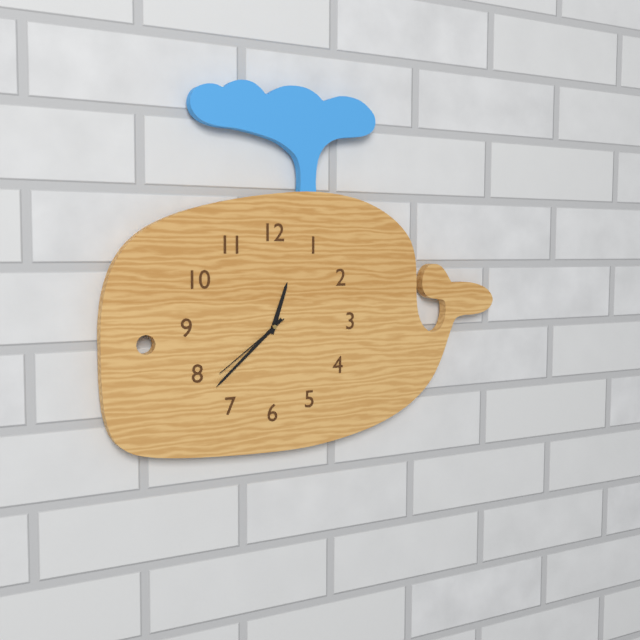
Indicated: 12 h 38 min 39 s
